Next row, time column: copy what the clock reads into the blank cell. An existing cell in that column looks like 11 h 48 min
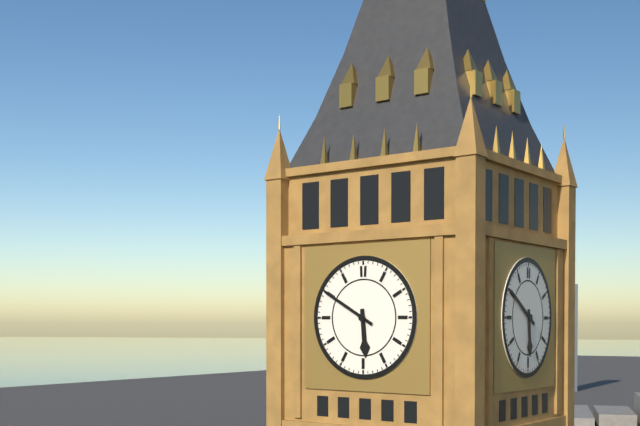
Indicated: 5 h 50 min
